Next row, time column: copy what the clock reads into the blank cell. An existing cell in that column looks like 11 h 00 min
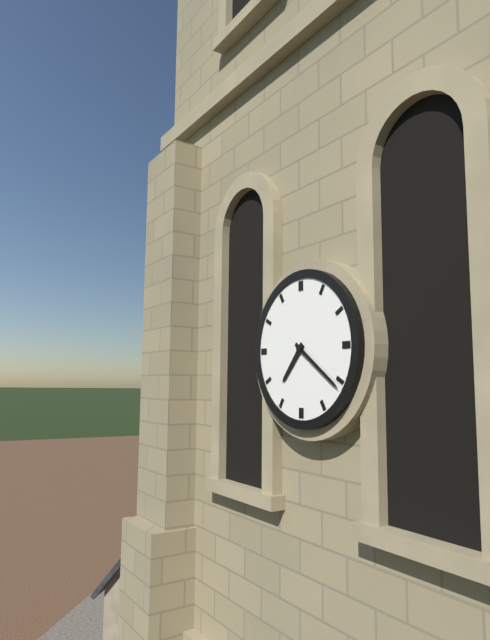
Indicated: 7 h 21 min
